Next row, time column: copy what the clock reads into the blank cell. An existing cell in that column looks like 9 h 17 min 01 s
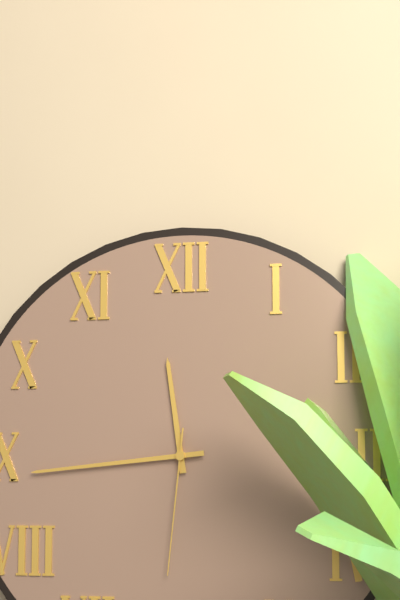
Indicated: 11 h 44 min 31 s
